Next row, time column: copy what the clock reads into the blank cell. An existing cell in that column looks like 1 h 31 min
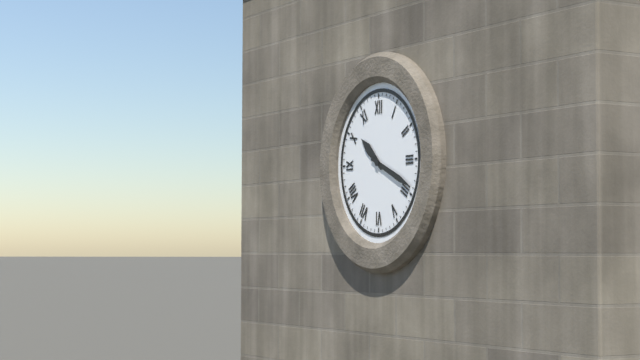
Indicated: 10 h 19 min
